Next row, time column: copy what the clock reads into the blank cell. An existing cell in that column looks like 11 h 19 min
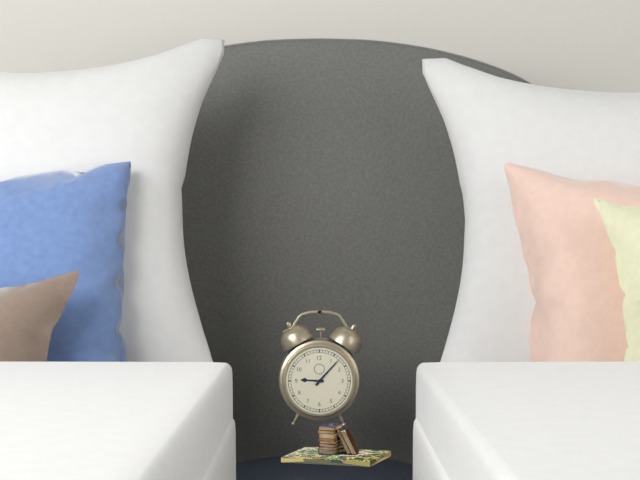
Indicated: 9 h 07 min
